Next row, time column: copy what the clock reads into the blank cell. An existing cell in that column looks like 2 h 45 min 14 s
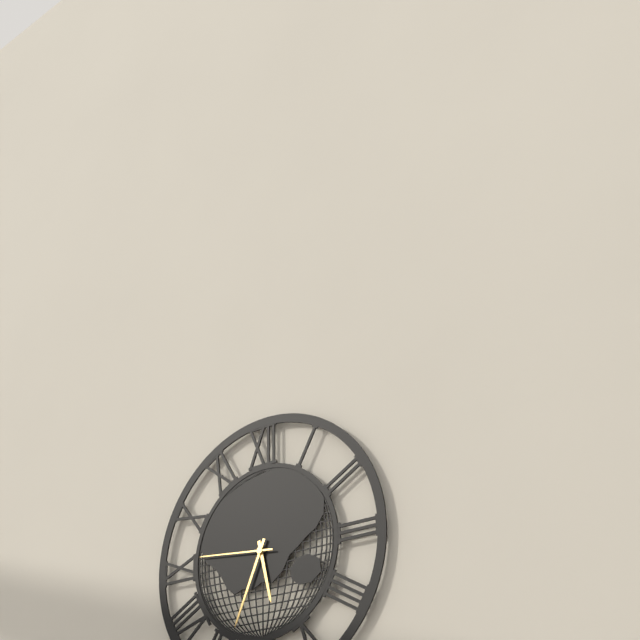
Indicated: 5 h 34 min 46 s
